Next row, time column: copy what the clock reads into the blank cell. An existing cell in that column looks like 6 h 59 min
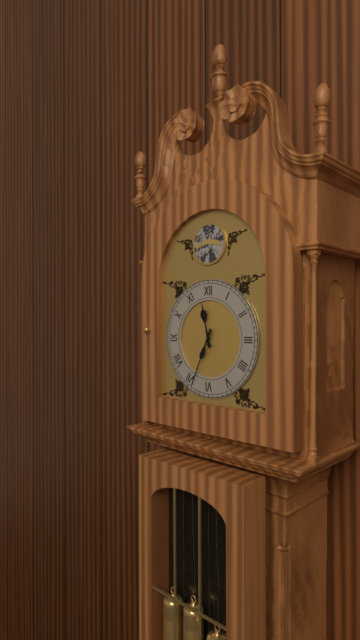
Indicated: 11 h 34 min
